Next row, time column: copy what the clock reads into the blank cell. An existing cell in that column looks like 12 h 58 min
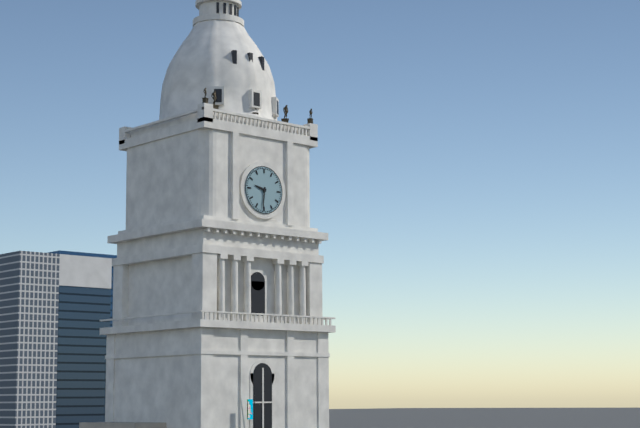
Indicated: 9 h 31 min
